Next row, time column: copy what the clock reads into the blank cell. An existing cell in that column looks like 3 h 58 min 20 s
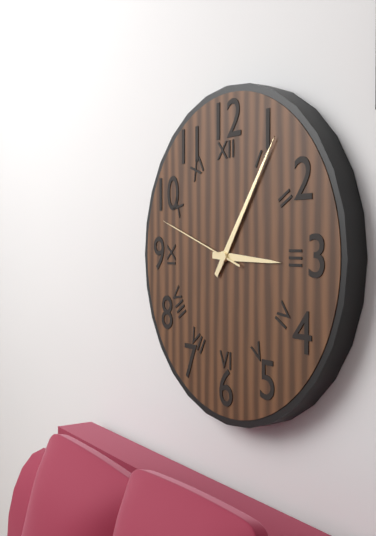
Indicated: 3 h 06 min 48 s
